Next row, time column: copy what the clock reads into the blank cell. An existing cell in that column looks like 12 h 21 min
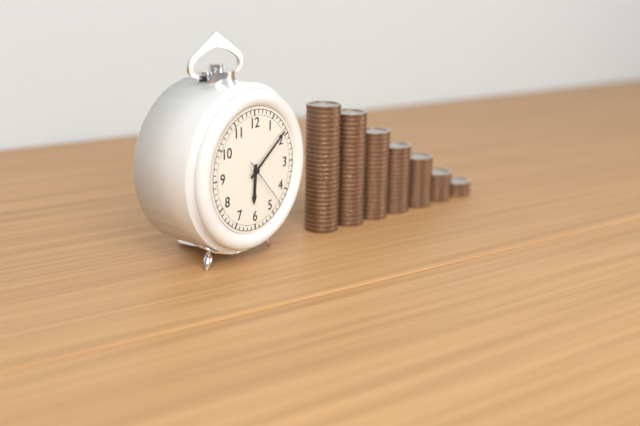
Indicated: 6 h 09 min
